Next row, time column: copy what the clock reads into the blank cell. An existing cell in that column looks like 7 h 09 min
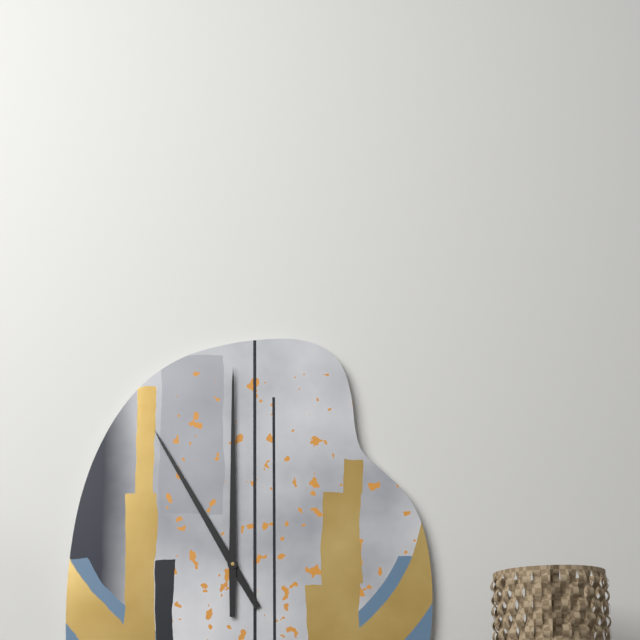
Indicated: 11 h 00 min
